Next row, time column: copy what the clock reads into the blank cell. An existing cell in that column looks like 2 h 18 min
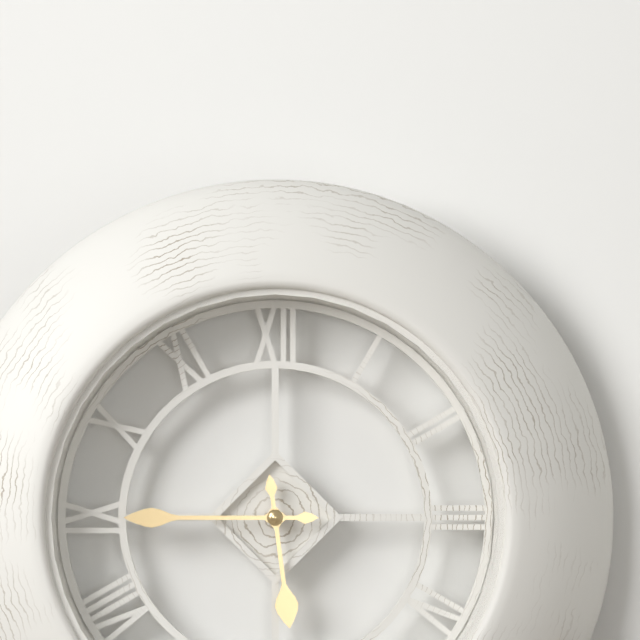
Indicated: 5 h 45 min
